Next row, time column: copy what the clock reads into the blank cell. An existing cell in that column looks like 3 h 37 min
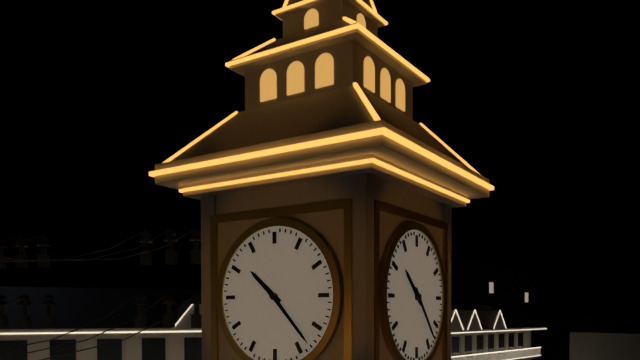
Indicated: 10 h 23 min
